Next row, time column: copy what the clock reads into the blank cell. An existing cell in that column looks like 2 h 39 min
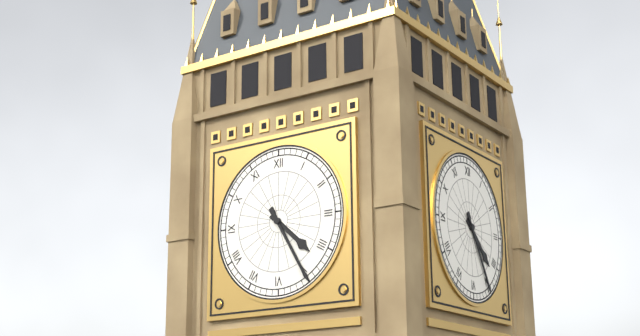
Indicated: 4 h 25 min
